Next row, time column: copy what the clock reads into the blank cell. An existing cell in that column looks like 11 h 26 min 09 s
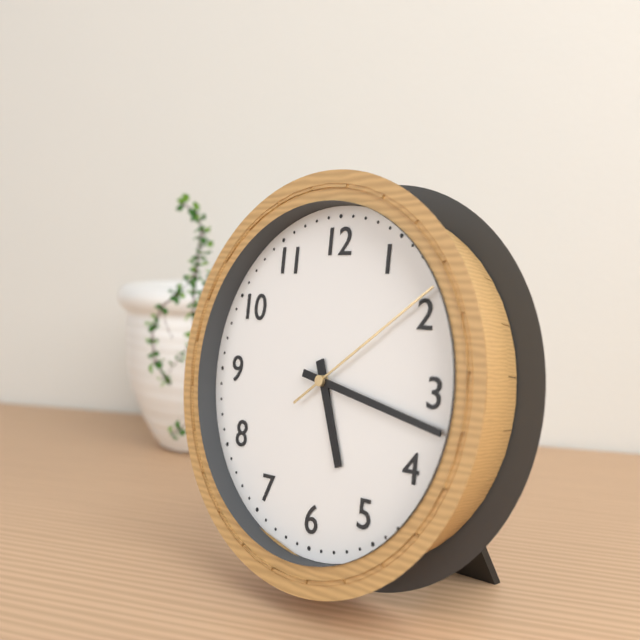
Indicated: 5 h 17 min 09 s
